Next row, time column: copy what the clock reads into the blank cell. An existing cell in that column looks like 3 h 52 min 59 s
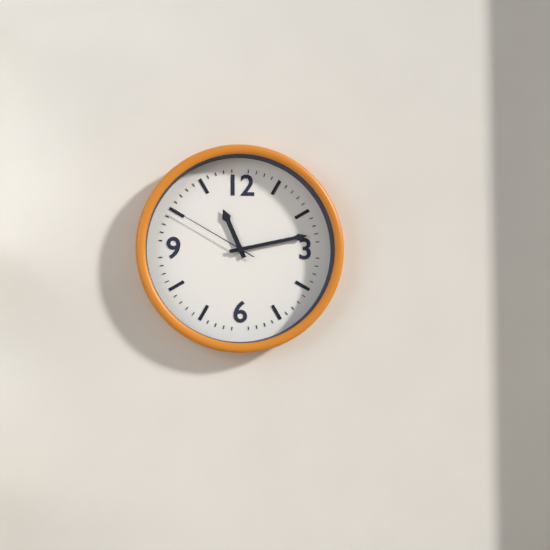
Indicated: 11 h 13 min 50 s
